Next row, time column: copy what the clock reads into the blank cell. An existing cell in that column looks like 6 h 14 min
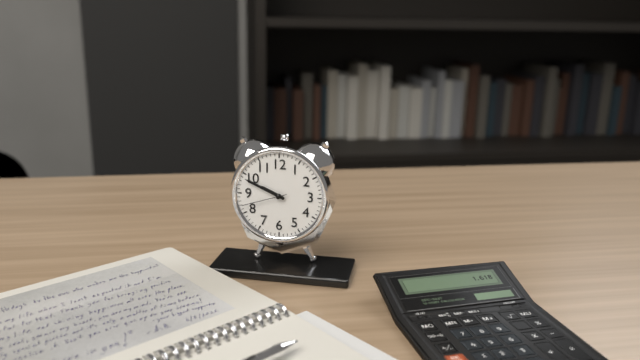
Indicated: 9 h 49 min
